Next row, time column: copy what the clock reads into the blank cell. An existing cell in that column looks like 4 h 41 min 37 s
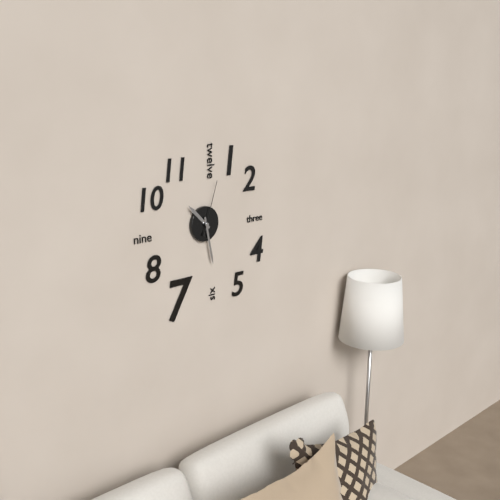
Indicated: 10 h 28 min 03 s
